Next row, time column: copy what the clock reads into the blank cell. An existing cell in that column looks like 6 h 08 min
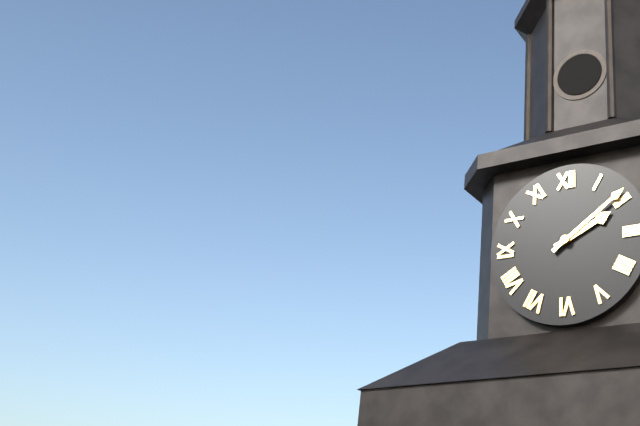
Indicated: 2 h 09 min
